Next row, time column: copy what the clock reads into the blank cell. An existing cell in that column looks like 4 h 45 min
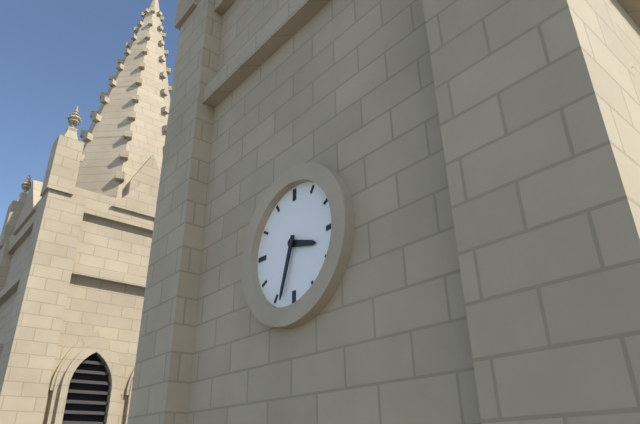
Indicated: 3 h 33 min
